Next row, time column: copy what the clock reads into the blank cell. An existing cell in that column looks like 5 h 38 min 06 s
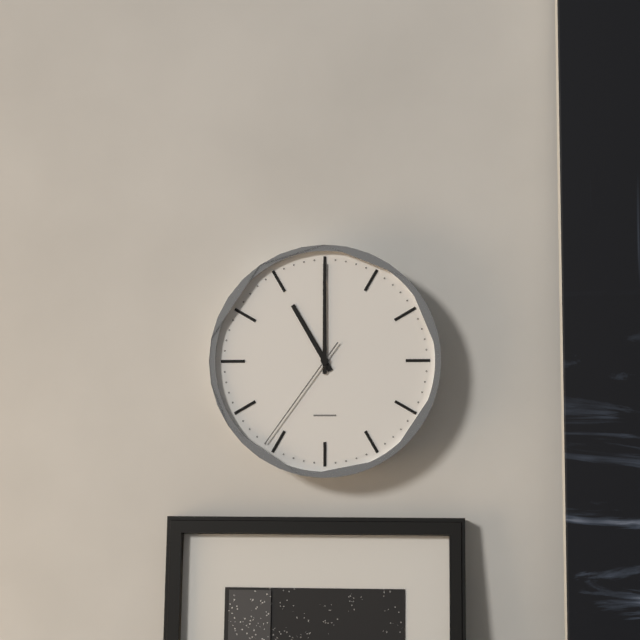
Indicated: 11 h 00 min 36 s
